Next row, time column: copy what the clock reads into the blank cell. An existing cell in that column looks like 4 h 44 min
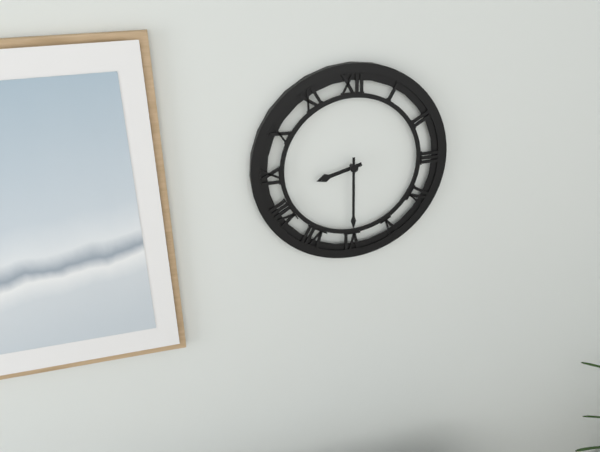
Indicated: 8 h 30 min
